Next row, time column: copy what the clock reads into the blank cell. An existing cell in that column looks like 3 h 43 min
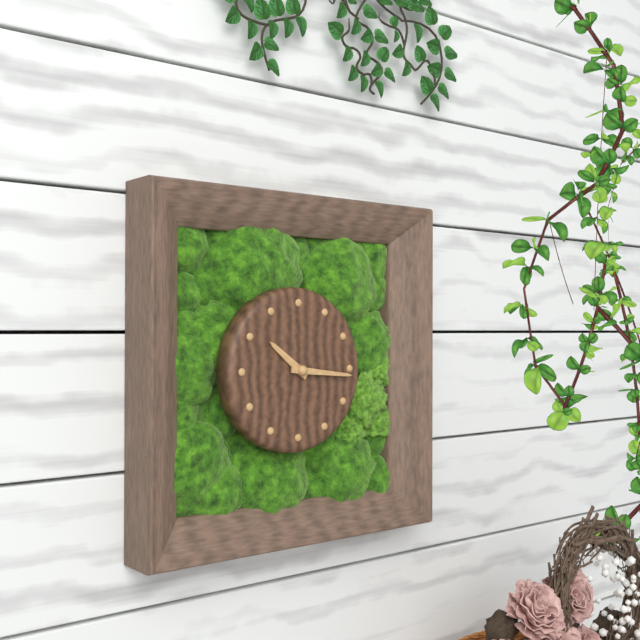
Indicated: 10 h 16 min
